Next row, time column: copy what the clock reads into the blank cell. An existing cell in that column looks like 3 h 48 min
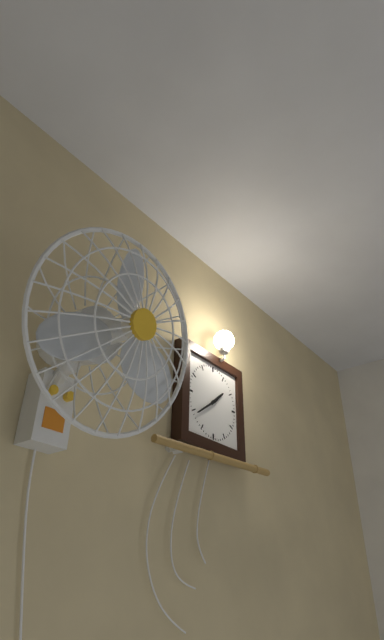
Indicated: 1 h 39 min
